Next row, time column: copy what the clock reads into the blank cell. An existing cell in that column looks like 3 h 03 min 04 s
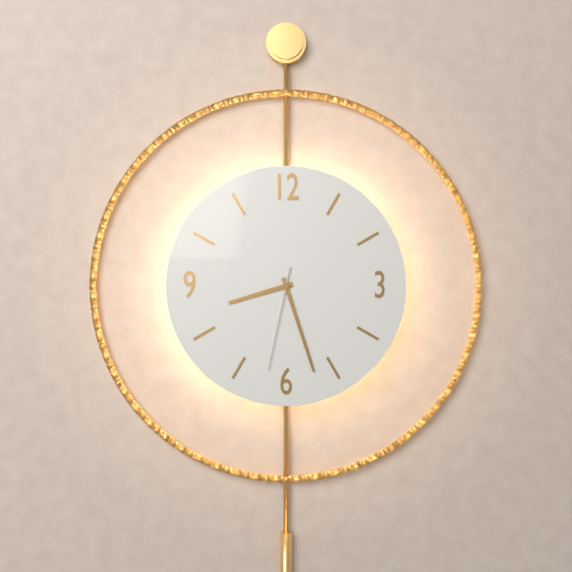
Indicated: 8 h 27 min 32 s
